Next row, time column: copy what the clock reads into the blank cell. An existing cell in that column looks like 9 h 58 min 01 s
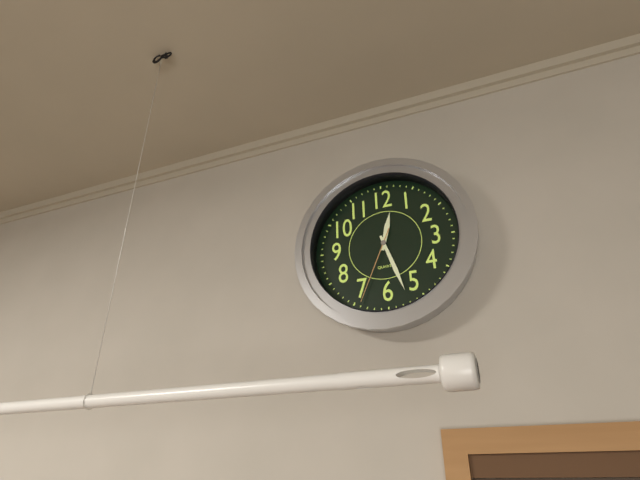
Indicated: 12 h 27 min 34 s
